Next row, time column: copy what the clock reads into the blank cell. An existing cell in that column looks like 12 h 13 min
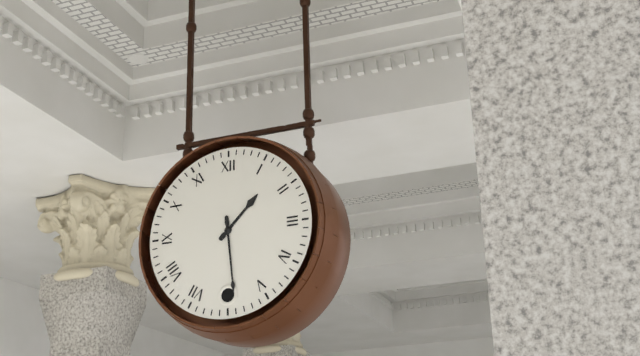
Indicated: 1 h 29 min
